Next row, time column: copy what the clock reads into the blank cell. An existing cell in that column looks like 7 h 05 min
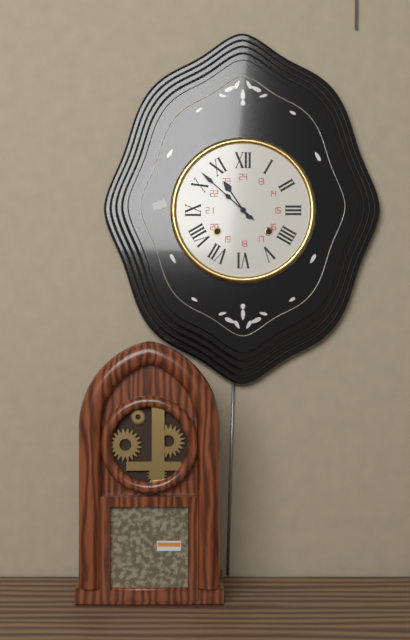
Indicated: 10 h 52 min
